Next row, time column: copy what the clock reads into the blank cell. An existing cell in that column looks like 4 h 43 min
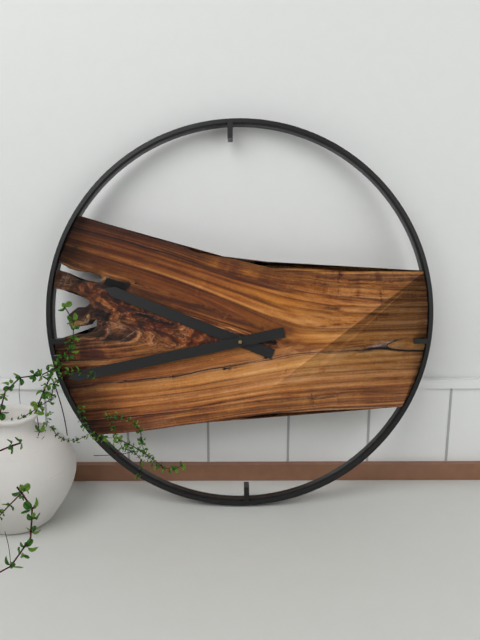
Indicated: 9 h 43 min
